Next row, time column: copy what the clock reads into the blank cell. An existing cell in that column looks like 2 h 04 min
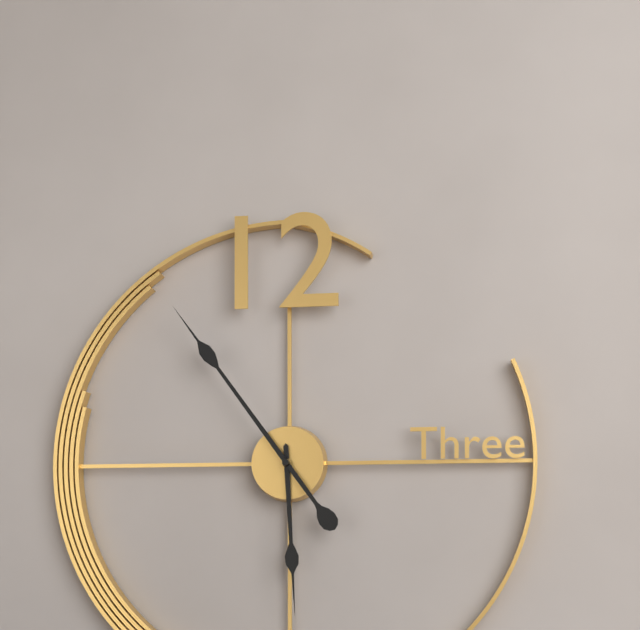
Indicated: 5 h 54 min
